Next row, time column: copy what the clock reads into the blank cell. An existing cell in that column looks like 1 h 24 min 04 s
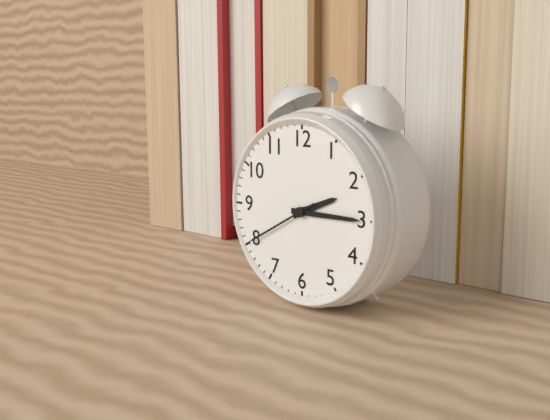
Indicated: 2 h 15 min 40 s
